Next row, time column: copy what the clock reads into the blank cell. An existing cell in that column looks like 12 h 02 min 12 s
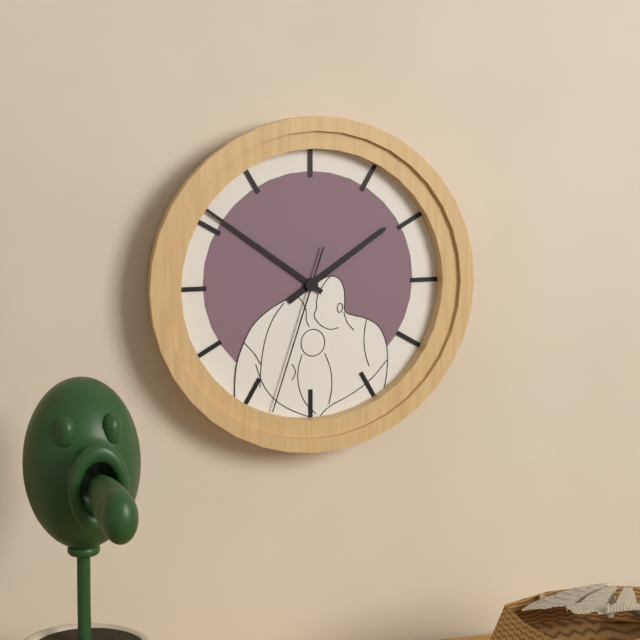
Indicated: 1 h 51 min 33 s
